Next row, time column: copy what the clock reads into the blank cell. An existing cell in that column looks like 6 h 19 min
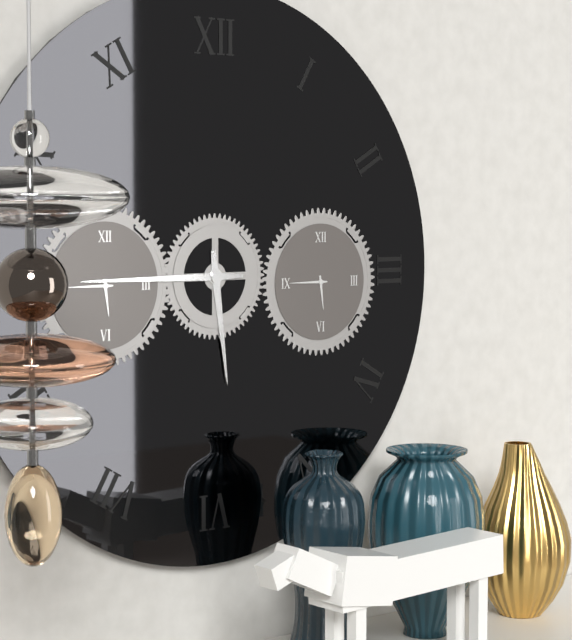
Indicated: 5 h 45 min
